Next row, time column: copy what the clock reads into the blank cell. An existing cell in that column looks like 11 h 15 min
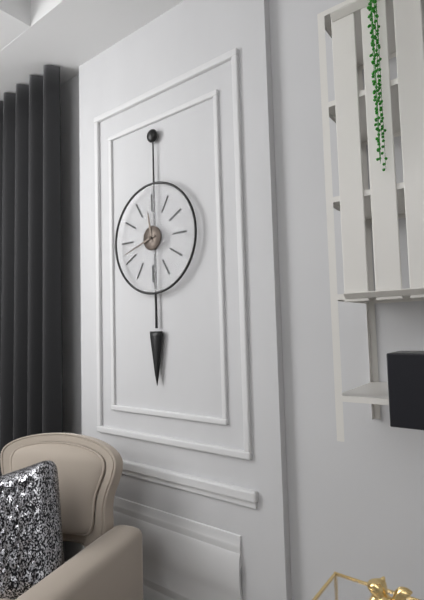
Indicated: 11 h 42 min
